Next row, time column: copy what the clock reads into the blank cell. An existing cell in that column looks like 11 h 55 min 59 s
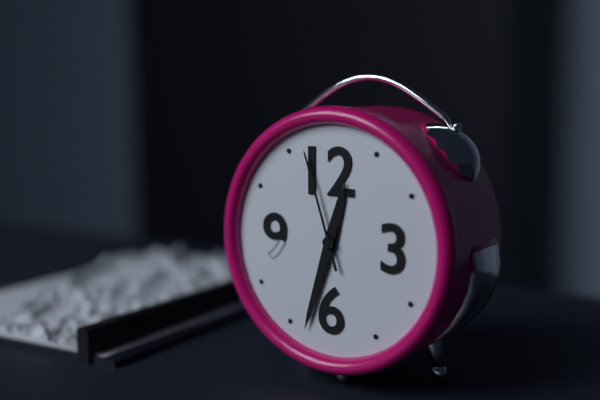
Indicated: 12 h 33 min 57 s
